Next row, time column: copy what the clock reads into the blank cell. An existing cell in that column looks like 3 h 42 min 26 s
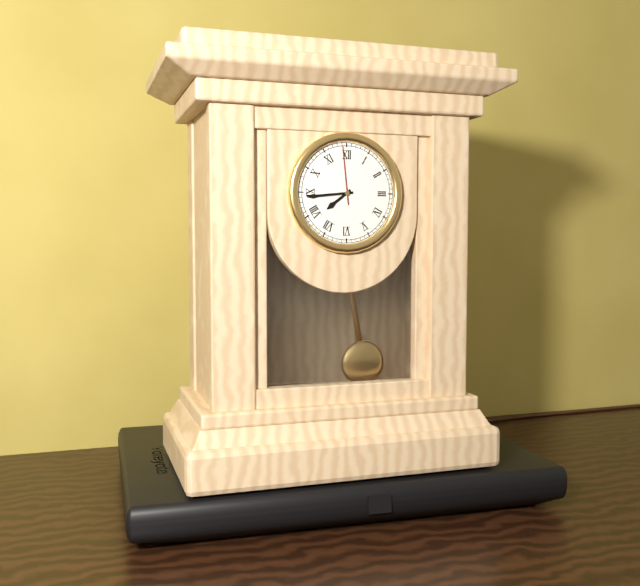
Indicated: 7 h 44 min 59 s
